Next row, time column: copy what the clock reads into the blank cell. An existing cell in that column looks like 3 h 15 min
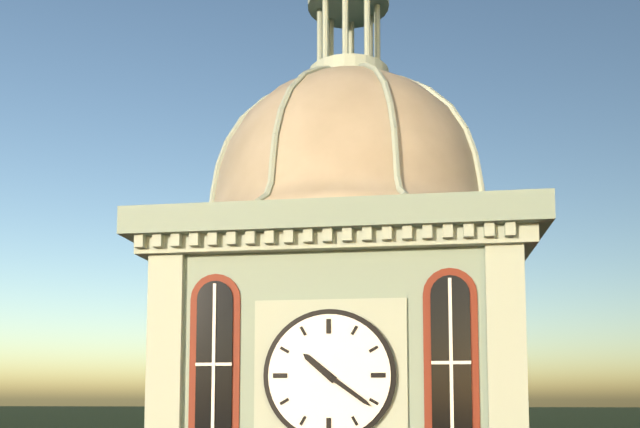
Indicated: 10 h 21 min
